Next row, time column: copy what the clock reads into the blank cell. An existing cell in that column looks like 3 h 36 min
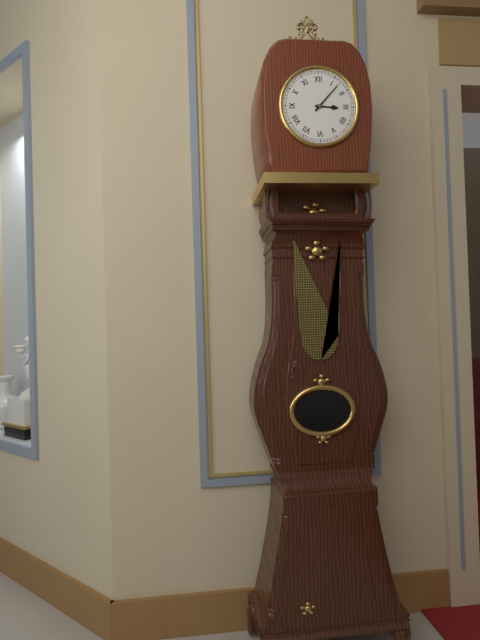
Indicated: 3 h 07 min
